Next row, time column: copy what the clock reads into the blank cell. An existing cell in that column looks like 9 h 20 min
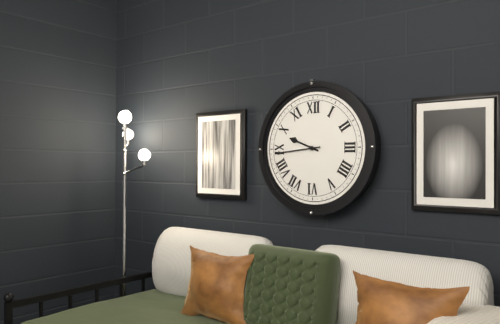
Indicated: 9 h 44 min
